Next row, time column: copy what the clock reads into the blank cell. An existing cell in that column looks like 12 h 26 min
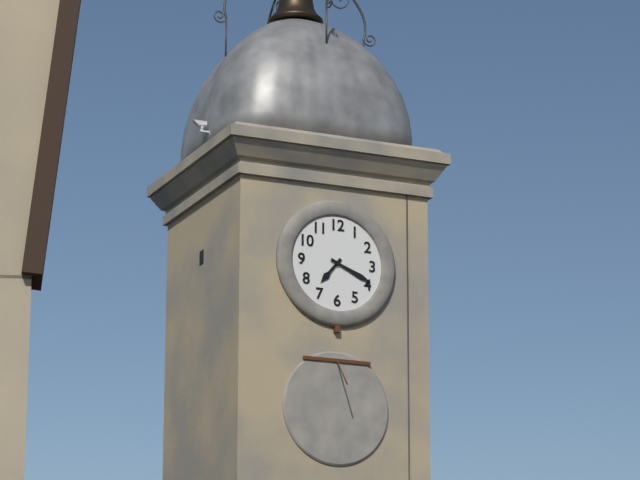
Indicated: 7 h 19 min
